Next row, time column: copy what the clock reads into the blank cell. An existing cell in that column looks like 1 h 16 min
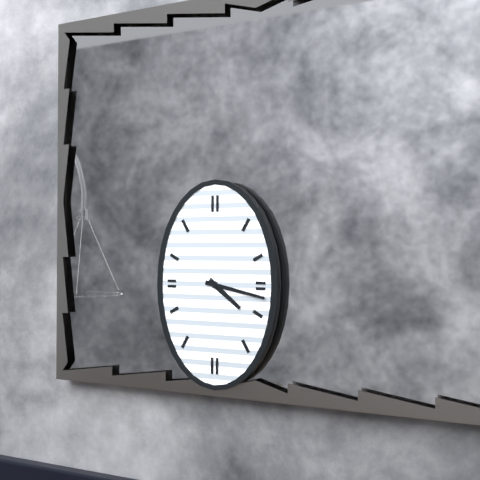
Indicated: 4 h 17 min
